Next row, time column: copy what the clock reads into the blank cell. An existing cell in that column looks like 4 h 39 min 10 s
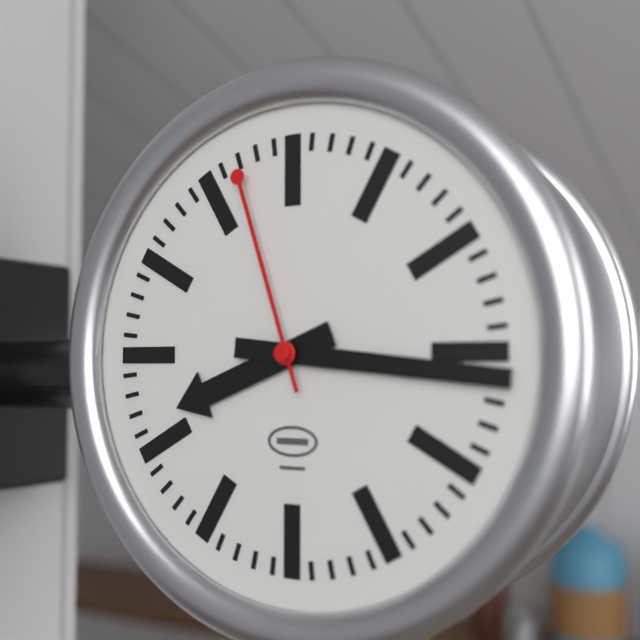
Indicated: 8 h 16 min 57 s
